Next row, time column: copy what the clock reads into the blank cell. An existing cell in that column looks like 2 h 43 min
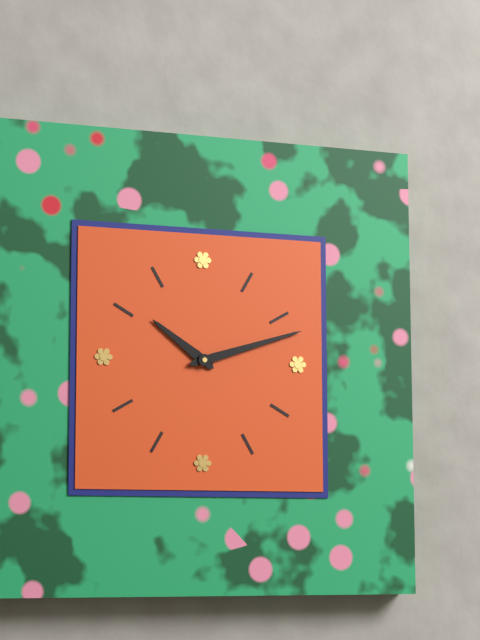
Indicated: 10 h 12 min
